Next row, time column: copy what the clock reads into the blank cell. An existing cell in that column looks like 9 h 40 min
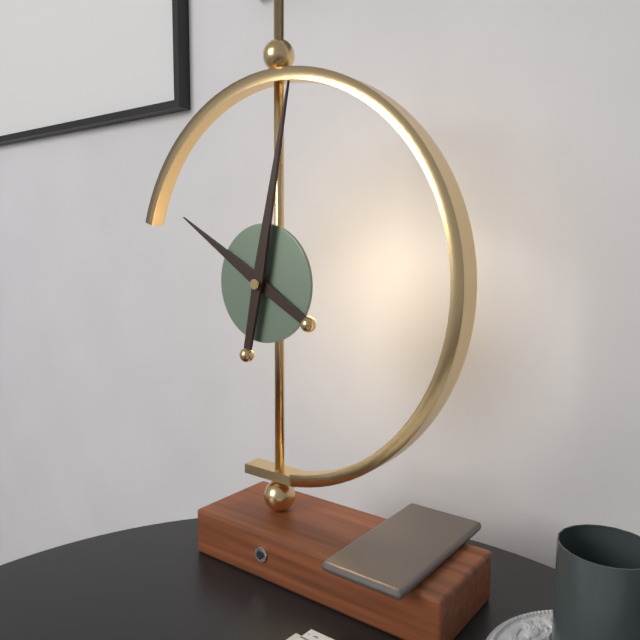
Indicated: 10 h 02 min
